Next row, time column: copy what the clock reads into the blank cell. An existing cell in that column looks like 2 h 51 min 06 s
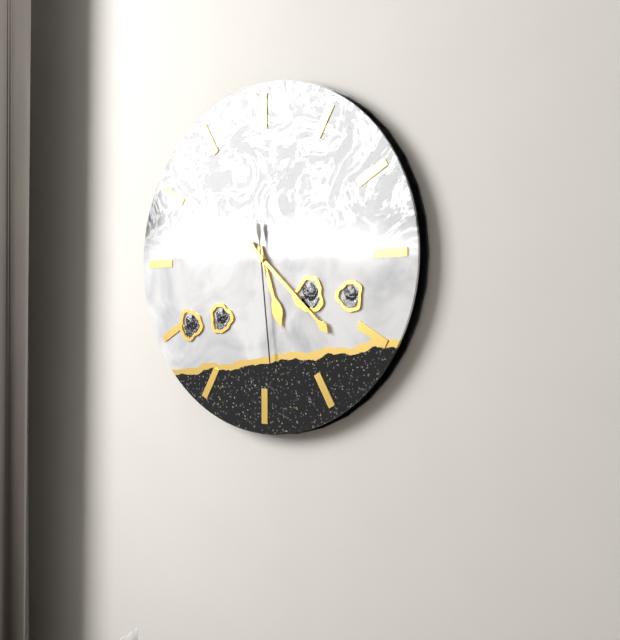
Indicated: 5 h 22 min 29 s
